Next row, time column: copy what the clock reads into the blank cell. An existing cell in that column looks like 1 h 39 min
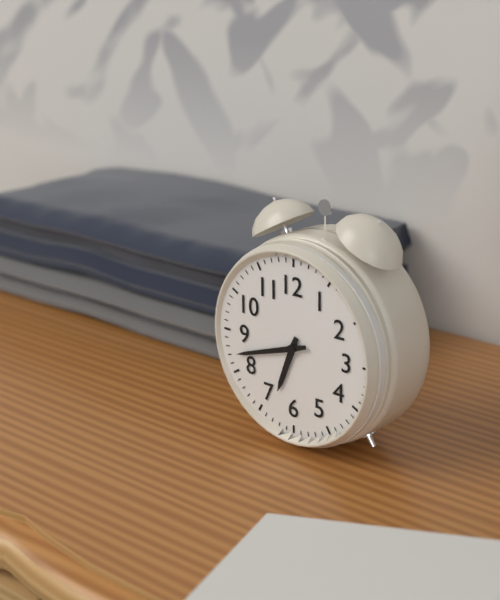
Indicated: 6 h 42 min
